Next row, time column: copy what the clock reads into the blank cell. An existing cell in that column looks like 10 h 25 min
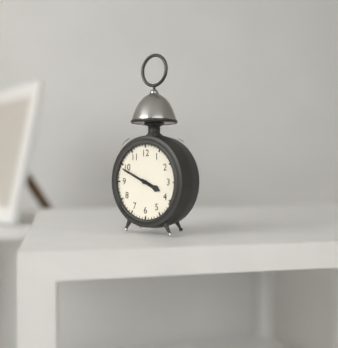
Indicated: 3 h 49 min
